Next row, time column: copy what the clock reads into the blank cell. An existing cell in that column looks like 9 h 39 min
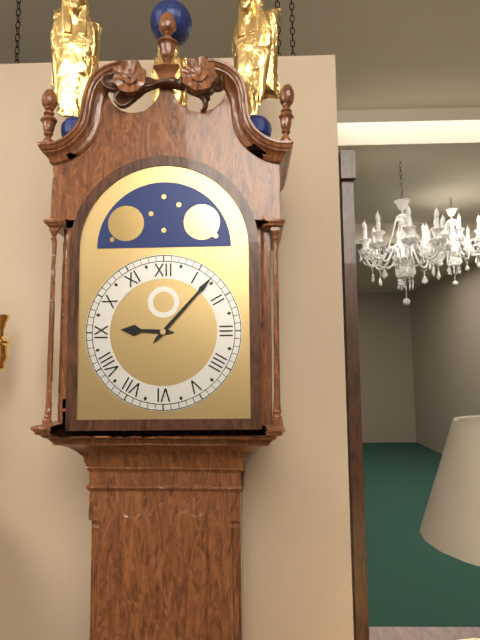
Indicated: 9 h 07 min
